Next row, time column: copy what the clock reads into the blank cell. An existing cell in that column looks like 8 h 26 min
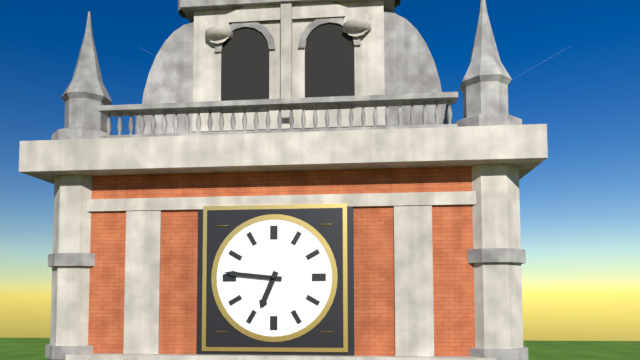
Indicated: 6 h 46 min
